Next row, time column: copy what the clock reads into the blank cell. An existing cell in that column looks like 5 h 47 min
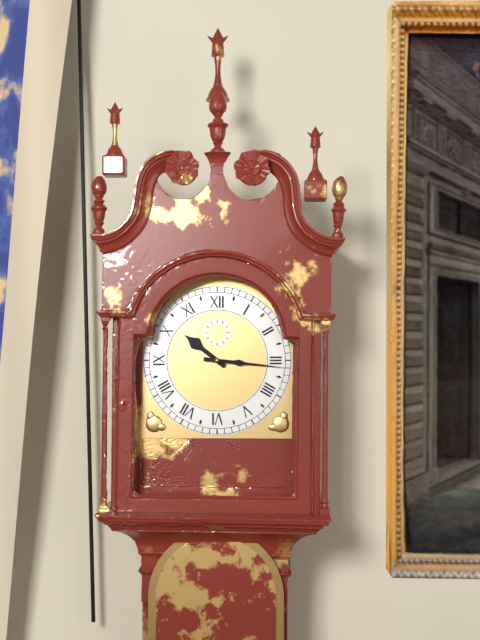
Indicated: 10 h 16 min
